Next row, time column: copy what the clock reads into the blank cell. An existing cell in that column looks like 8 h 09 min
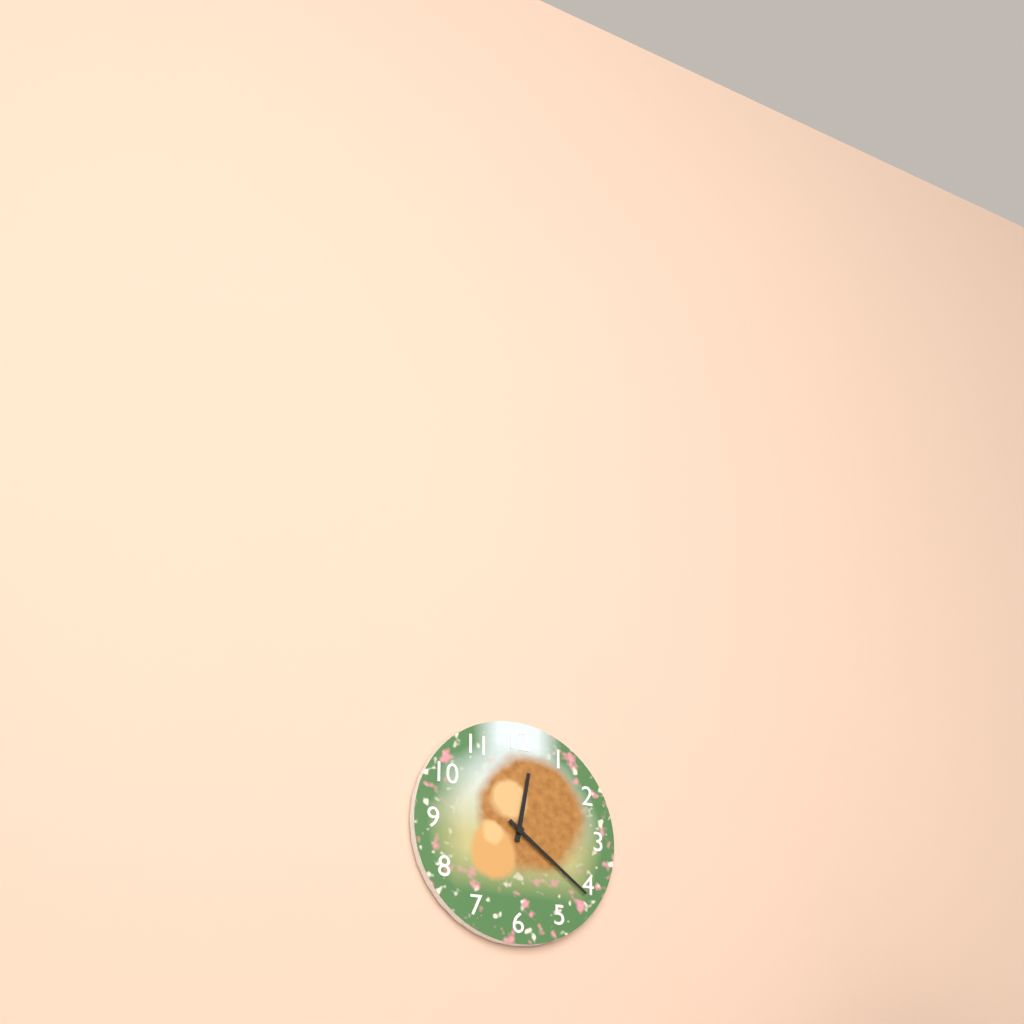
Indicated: 12 h 21 min
